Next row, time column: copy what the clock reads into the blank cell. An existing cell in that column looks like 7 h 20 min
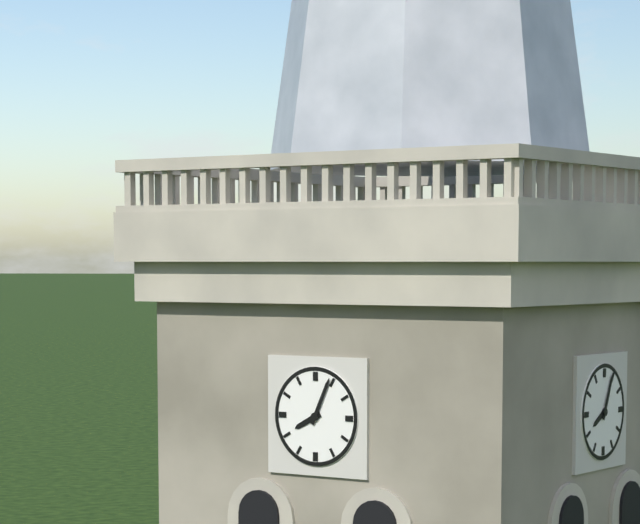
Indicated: 8 h 04 min
